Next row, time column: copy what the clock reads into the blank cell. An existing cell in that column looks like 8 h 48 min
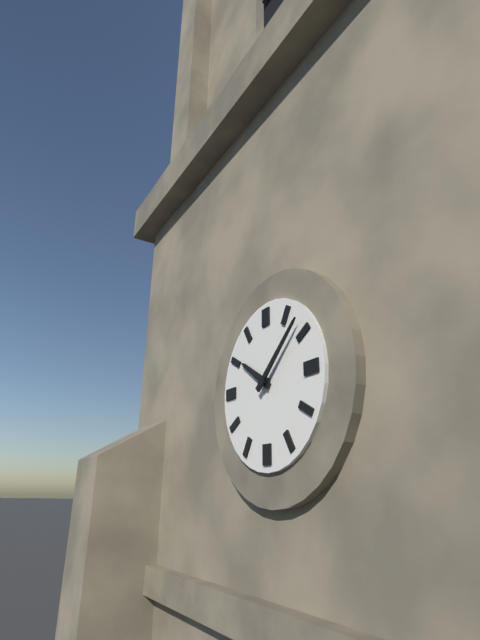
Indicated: 10 h 08 min
